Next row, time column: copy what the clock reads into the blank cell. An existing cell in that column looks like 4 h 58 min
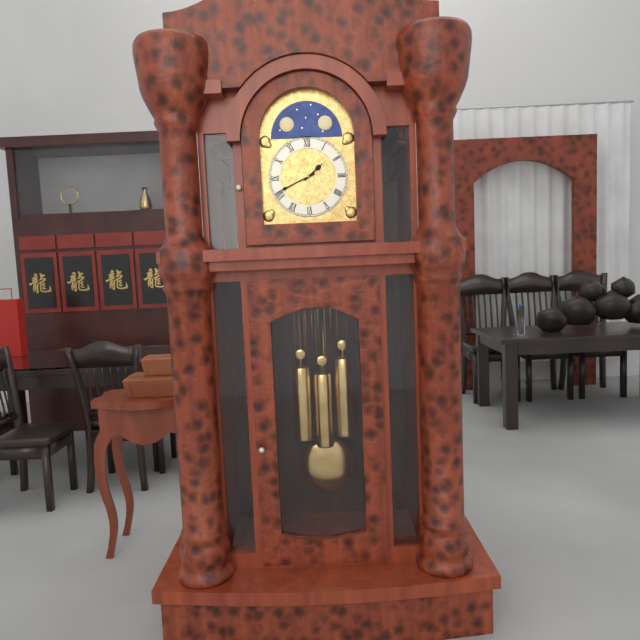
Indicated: 1 h 41 min
